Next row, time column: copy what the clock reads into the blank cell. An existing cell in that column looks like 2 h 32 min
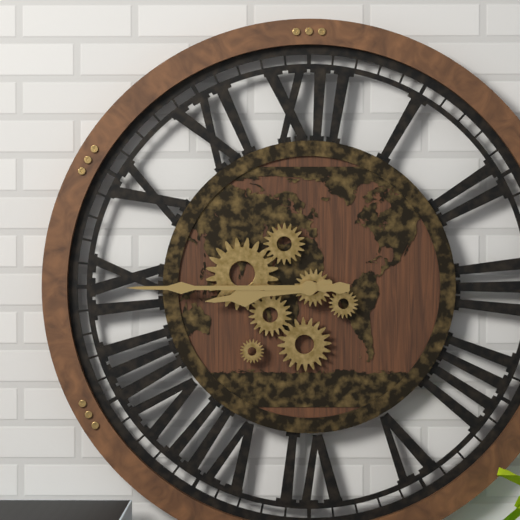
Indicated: 8 h 45 min
